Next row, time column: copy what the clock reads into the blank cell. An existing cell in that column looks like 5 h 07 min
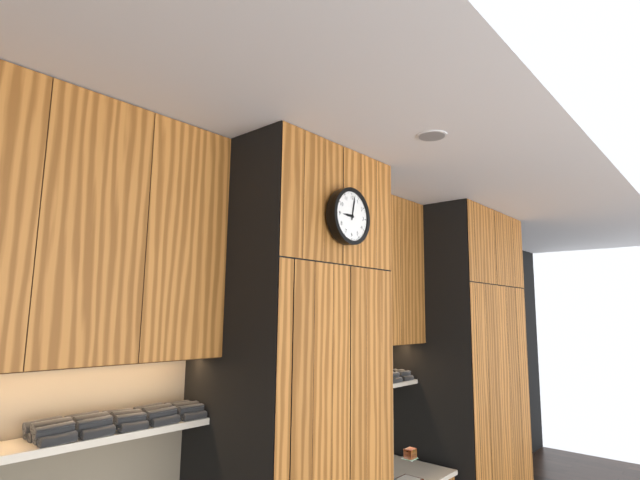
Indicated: 9 h 02 min
